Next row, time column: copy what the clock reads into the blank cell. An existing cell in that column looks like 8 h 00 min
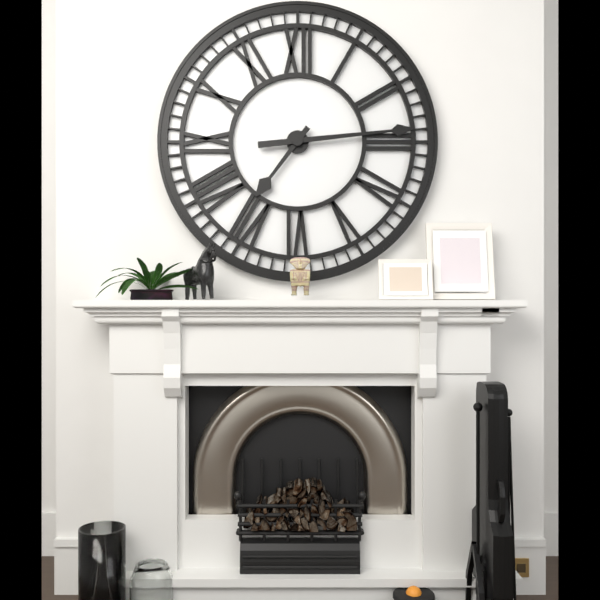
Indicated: 7 h 14 min
